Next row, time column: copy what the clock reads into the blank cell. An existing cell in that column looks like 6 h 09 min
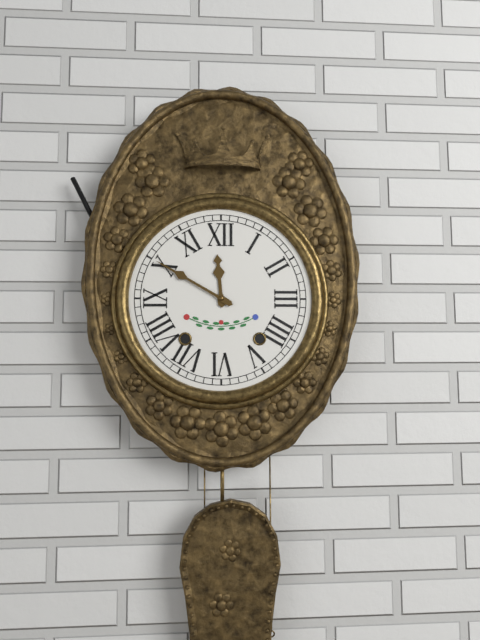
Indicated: 11 h 50 min
